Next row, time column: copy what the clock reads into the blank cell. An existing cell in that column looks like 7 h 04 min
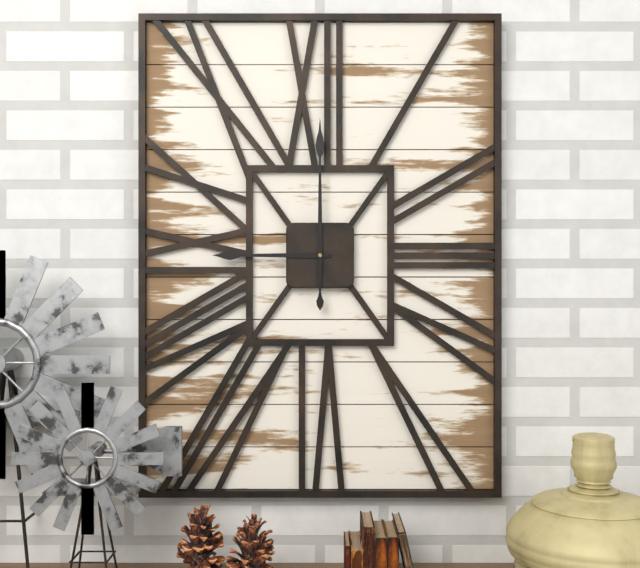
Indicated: 9 h 00 min
